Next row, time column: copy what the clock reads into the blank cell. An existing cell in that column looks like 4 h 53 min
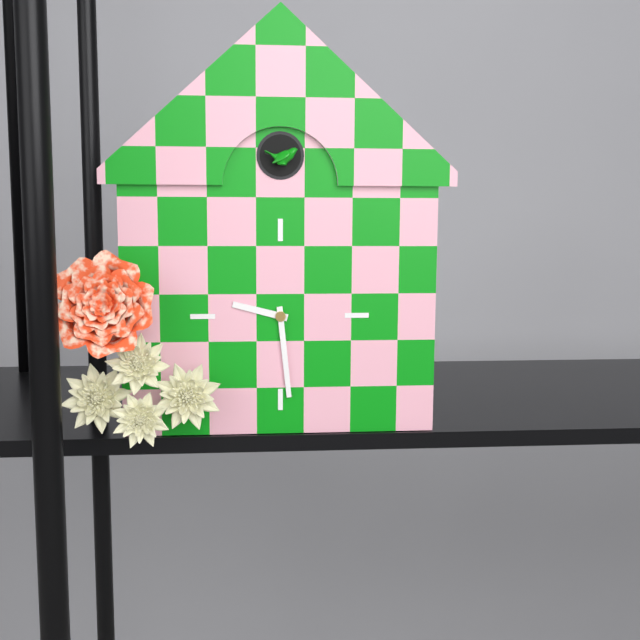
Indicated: 9 h 29 min
